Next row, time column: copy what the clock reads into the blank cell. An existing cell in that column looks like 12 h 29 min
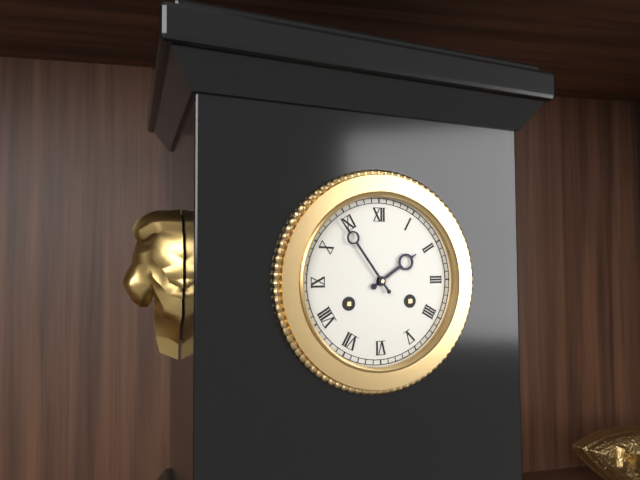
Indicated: 1 h 54 min
